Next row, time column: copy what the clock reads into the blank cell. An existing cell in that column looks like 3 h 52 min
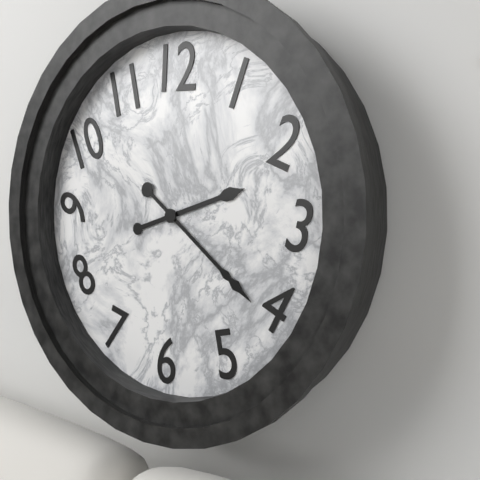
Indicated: 2 h 21 min
